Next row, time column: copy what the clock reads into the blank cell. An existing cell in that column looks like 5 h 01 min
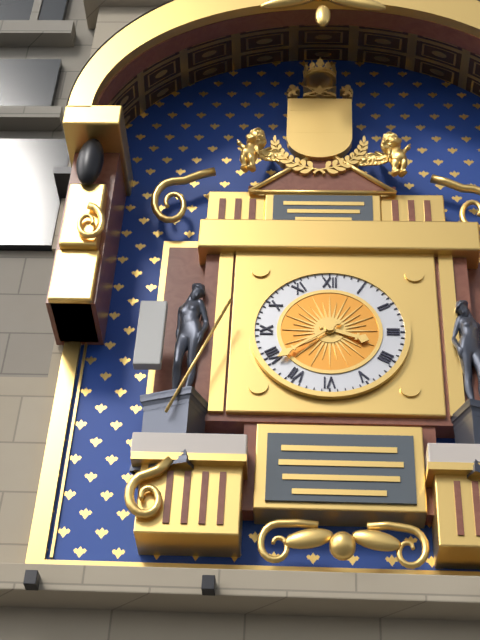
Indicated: 3 h 39 min
